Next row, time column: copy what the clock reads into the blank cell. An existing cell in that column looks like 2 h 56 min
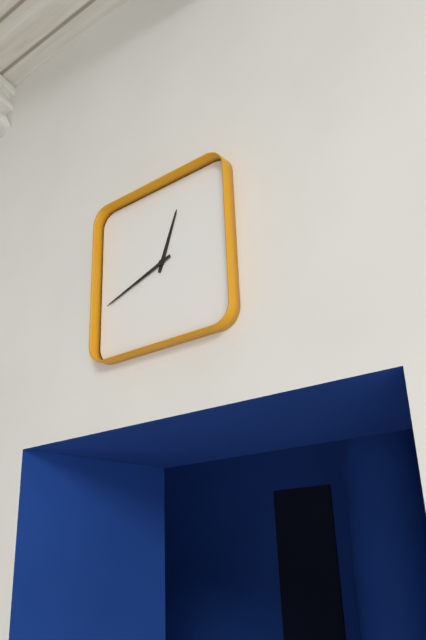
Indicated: 12 h 42 min
